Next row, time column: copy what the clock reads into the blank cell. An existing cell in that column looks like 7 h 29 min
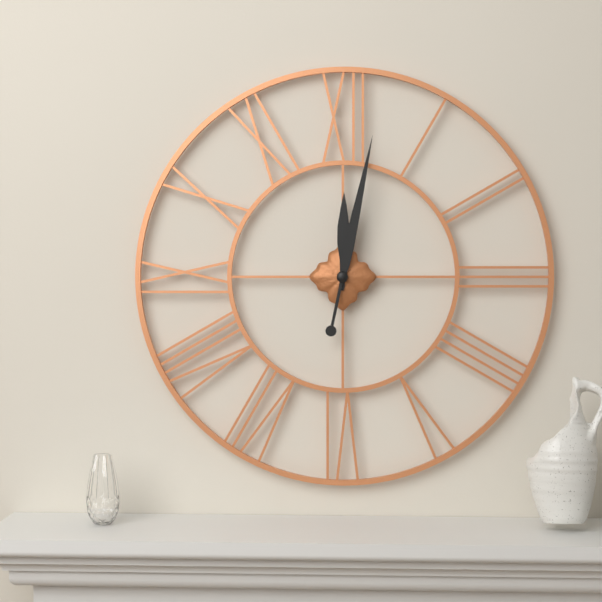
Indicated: 12 h 02 min
